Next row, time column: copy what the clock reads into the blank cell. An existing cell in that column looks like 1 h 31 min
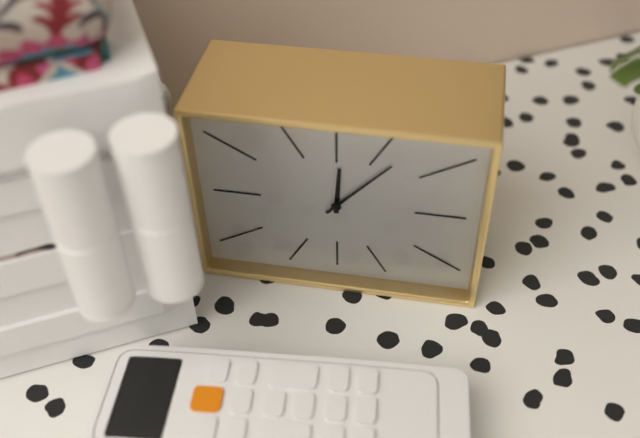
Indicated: 12 h 07 min
